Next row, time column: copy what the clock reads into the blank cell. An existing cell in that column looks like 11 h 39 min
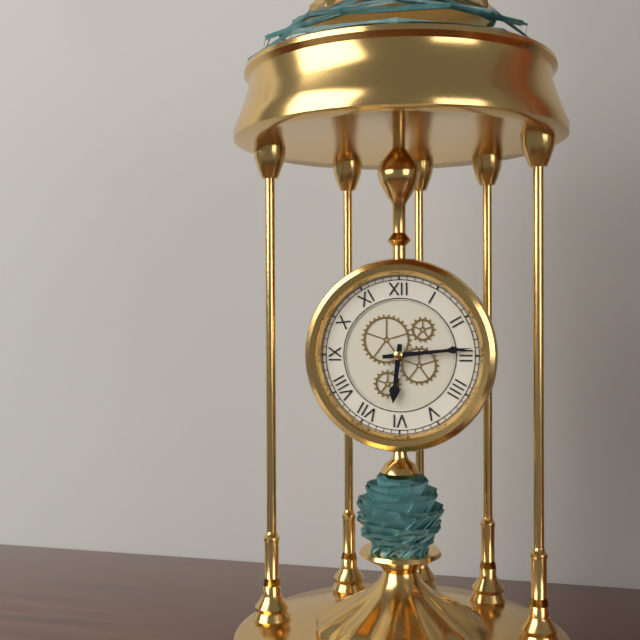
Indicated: 6 h 14 min
